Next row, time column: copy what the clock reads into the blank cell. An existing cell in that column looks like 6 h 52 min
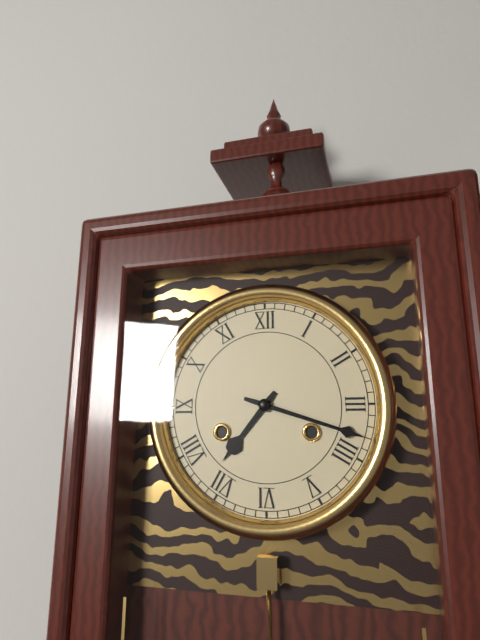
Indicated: 7 h 18 min
